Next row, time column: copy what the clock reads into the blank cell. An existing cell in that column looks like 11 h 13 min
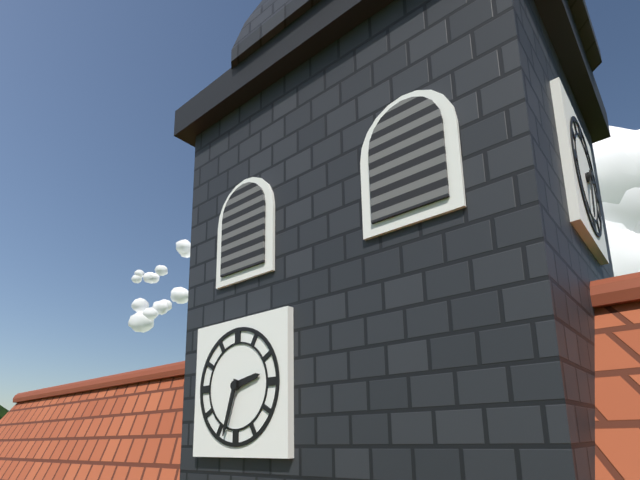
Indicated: 2 h 33 min
